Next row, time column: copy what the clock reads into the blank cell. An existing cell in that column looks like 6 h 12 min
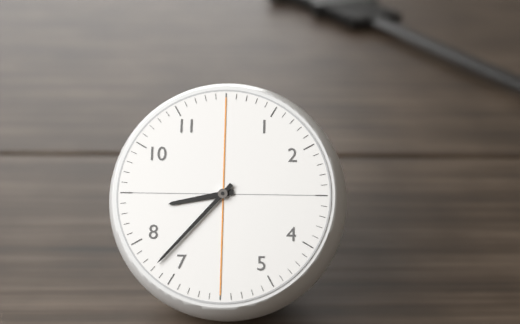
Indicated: 8 h 37 min
